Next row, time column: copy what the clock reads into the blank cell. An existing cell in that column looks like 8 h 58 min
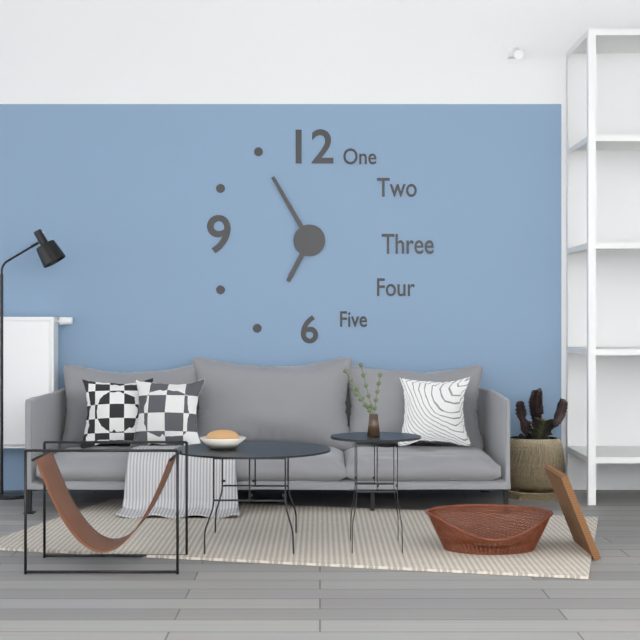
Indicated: 6 h 55 min
